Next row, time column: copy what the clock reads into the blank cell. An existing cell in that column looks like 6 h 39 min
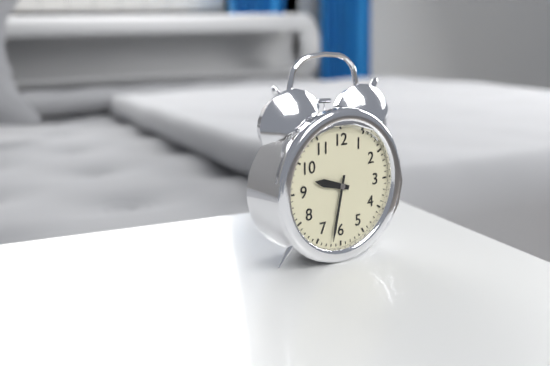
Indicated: 9 h 32 min
